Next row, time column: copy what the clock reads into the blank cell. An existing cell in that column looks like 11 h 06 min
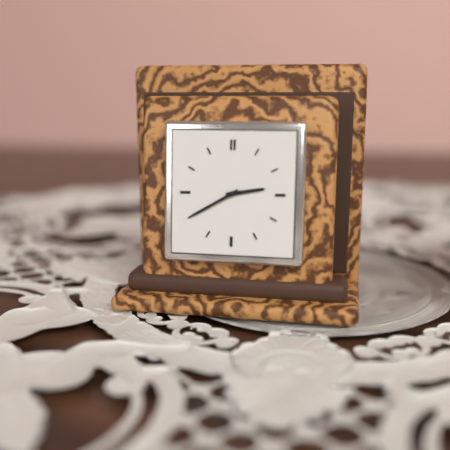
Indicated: 2 h 40 min
